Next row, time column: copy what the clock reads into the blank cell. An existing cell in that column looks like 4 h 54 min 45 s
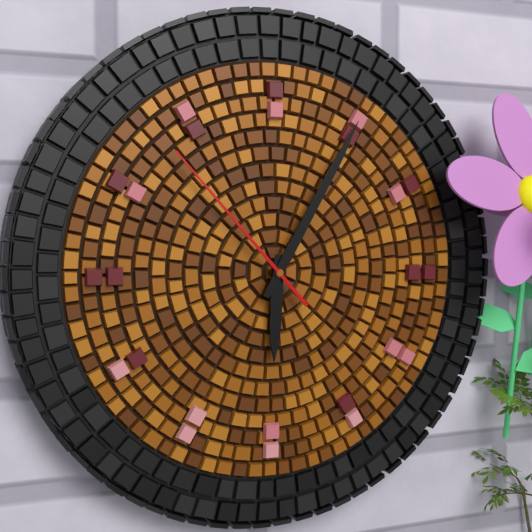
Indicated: 6 h 05 min 53 s
